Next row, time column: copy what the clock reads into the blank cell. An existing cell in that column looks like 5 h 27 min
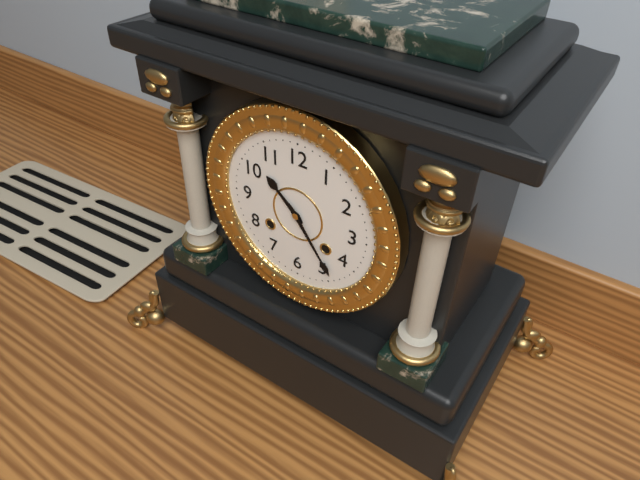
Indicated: 10 h 24 min
